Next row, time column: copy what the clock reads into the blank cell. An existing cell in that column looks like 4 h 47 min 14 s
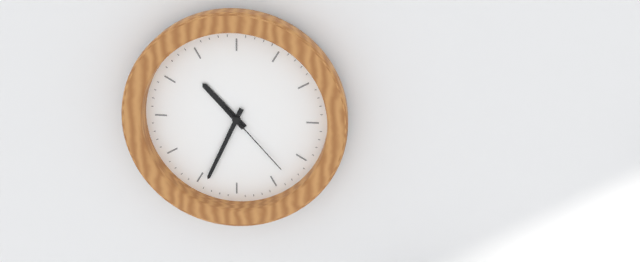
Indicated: 10 h 34 min 23 s
